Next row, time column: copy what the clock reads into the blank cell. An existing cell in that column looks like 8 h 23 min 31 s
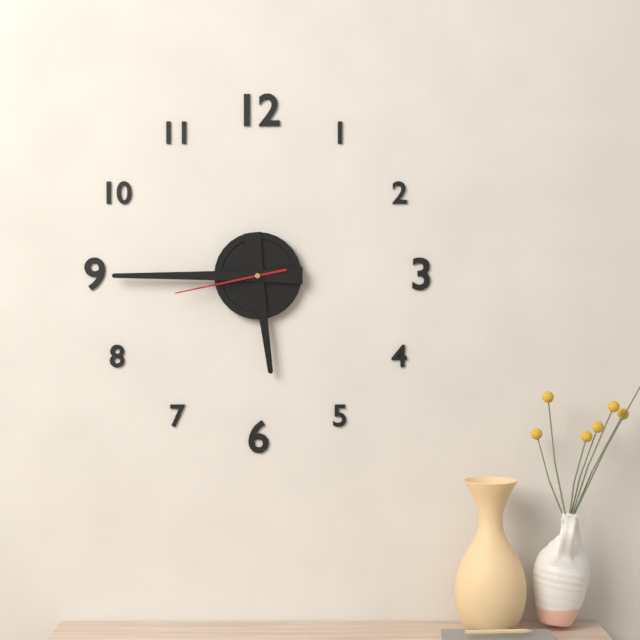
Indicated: 5 h 45 min 43 s
